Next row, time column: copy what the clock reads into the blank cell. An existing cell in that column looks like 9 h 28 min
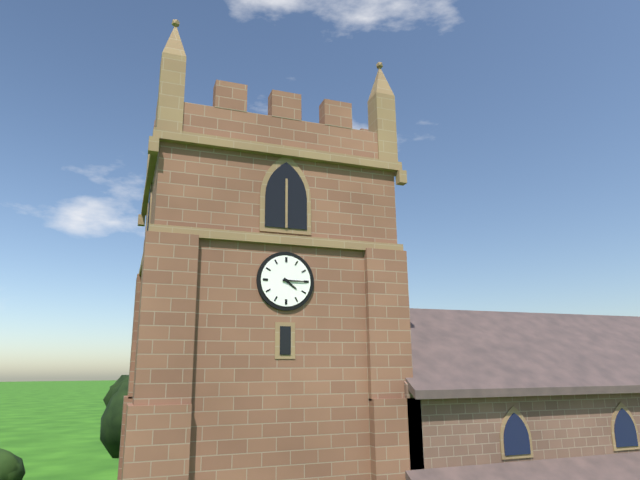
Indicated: 4 h 15 min
